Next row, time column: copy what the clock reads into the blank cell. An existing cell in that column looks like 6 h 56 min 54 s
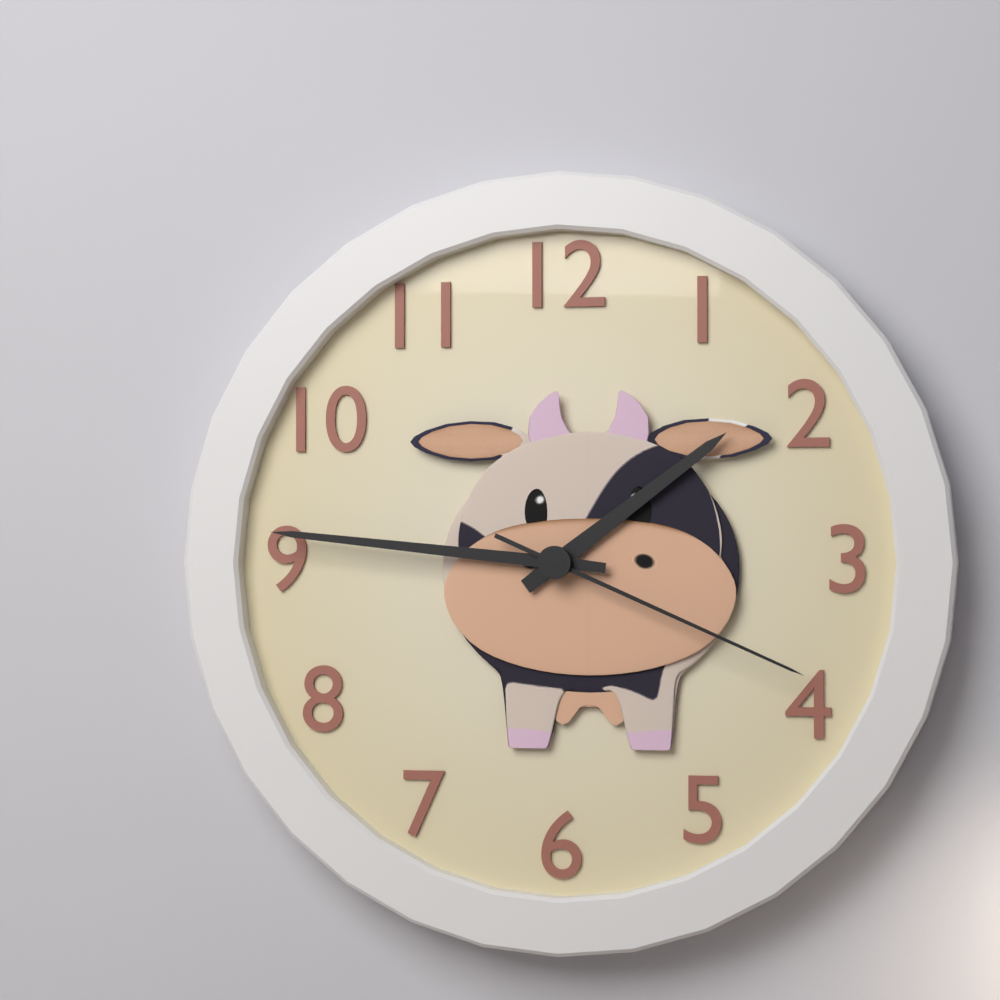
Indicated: 1 h 46 min 19 s
